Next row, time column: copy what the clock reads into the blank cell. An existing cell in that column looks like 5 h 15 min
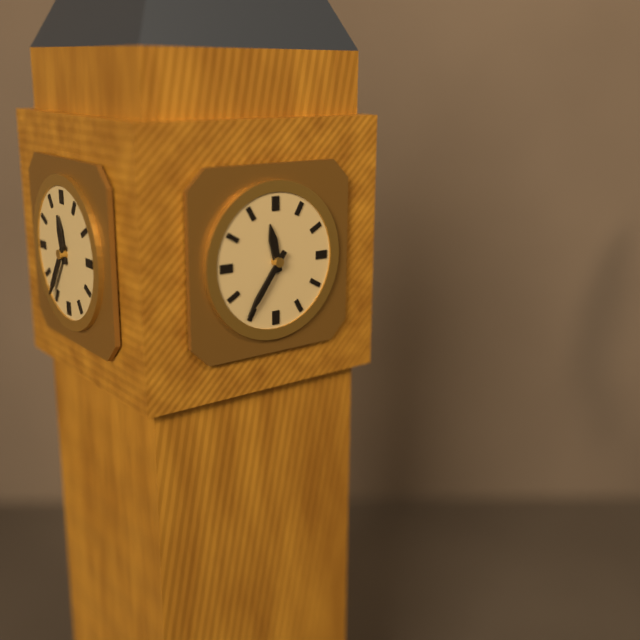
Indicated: 11 h 36 min
